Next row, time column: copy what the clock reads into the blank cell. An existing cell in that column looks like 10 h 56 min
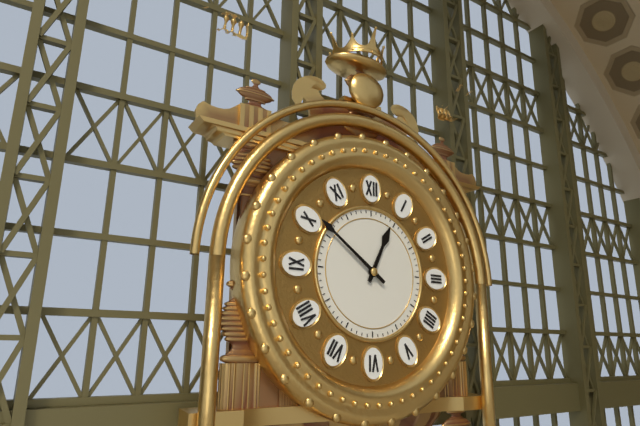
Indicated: 12 h 51 min
